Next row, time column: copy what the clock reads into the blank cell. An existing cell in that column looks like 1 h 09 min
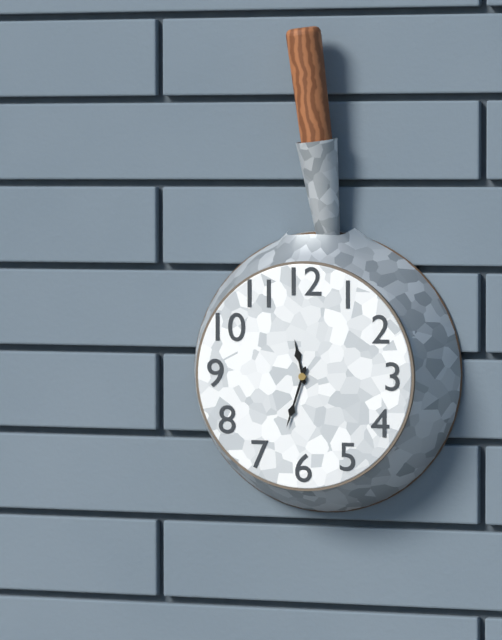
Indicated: 11 h 33 min
